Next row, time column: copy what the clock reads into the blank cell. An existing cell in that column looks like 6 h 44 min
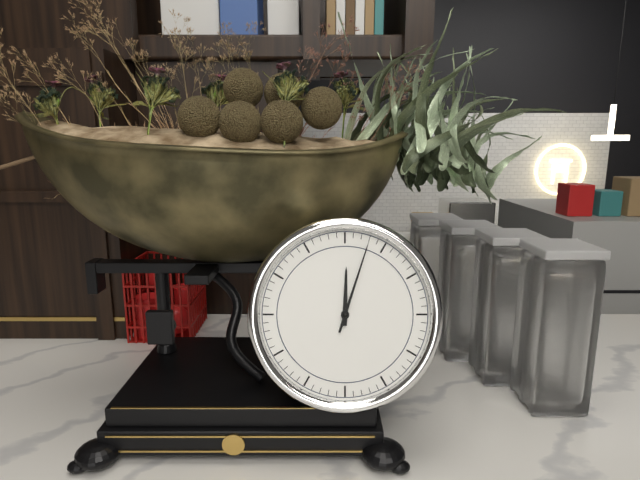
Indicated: 12 h 03 min
